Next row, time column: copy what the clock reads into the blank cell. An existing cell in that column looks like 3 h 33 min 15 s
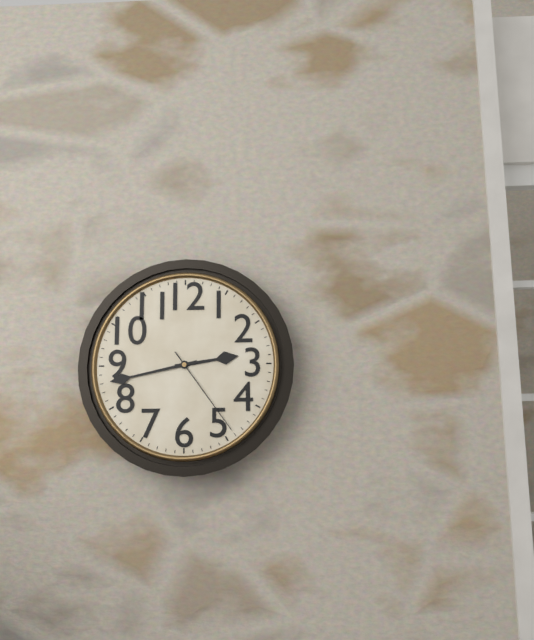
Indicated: 2 h 43 min 24 s
